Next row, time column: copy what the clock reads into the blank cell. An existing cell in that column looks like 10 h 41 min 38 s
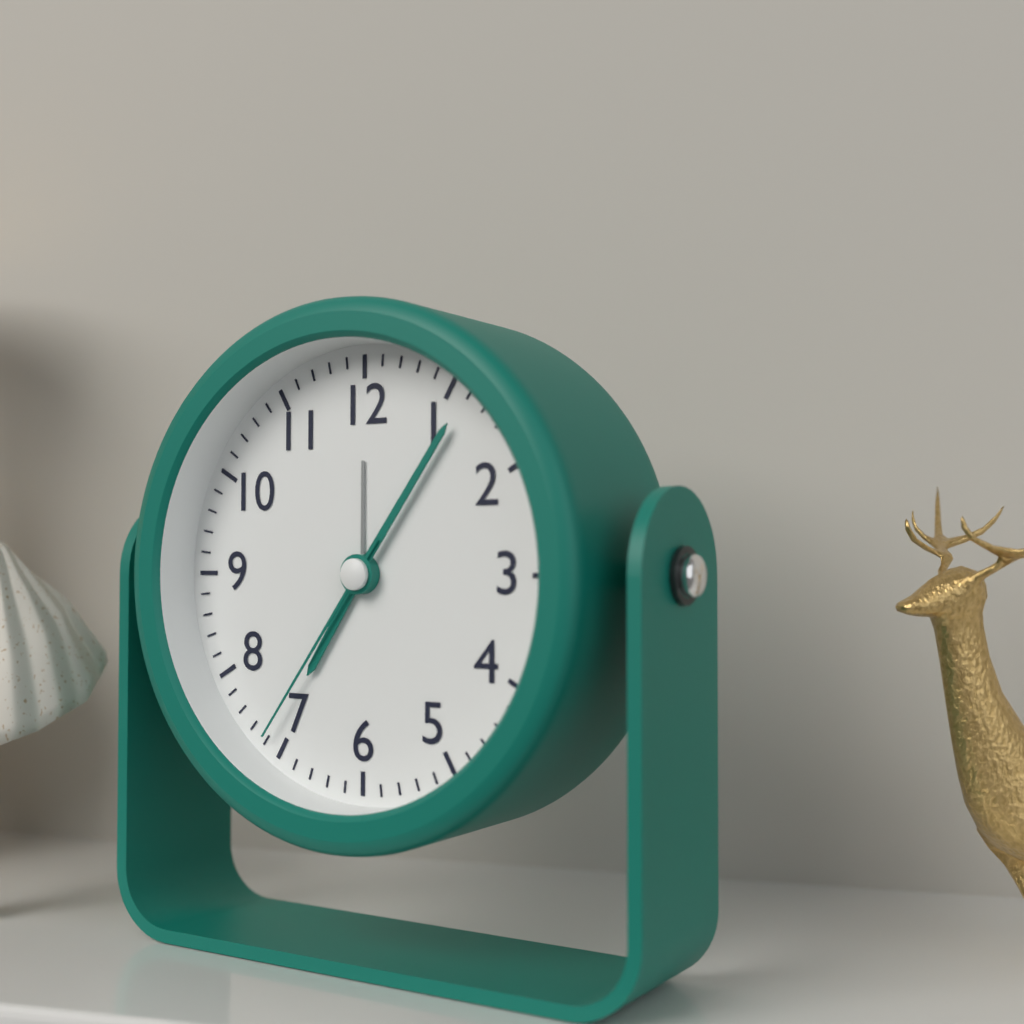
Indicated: 7 h 06 min 36 s
